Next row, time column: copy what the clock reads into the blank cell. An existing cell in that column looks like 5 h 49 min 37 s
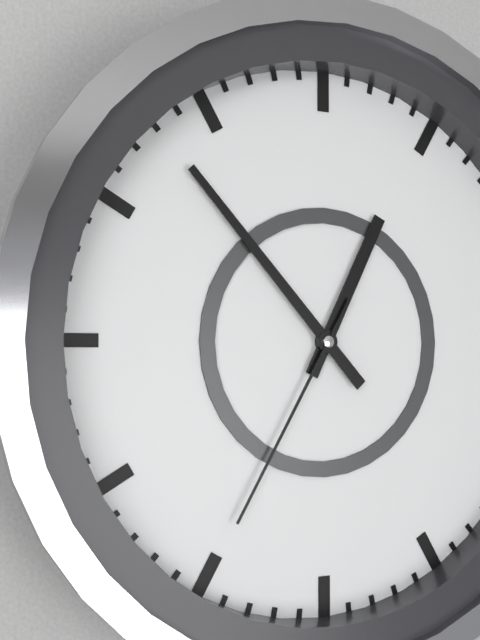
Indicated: 12 h 53 min 35 s
